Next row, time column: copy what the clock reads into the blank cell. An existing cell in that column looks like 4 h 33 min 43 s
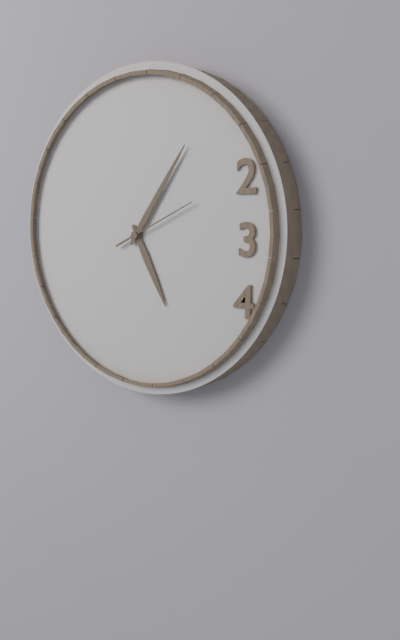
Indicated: 5 h 06 min 11 s
